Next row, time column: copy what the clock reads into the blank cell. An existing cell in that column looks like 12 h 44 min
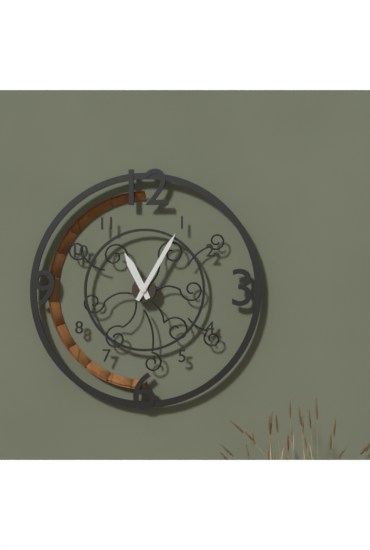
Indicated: 11 h 05 min
